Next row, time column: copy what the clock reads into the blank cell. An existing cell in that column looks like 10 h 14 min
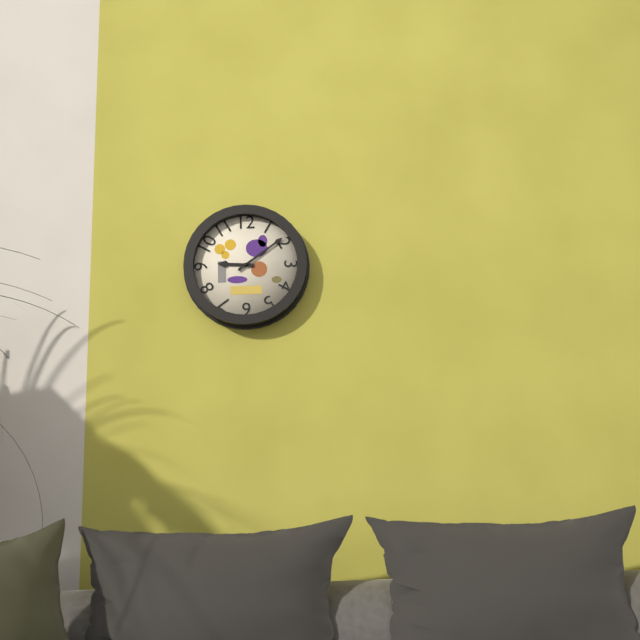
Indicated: 9 h 09 min
